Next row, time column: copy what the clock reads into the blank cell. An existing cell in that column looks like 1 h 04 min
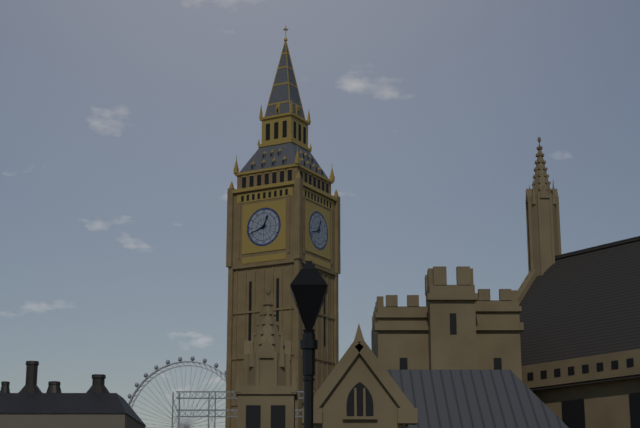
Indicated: 12 h 42 min
